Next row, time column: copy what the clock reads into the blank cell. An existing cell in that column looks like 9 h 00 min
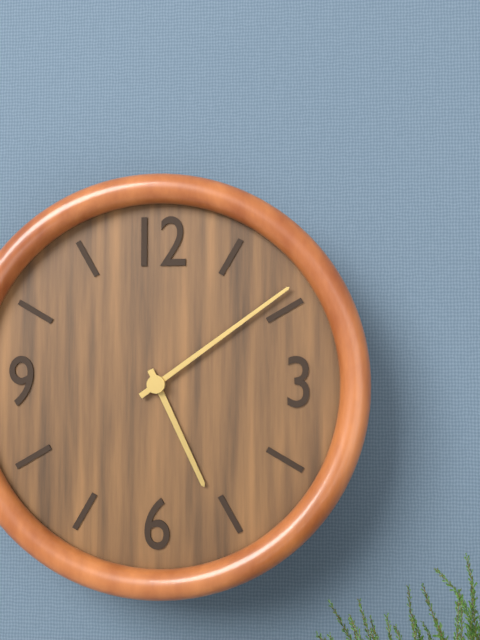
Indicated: 5 h 09 min
